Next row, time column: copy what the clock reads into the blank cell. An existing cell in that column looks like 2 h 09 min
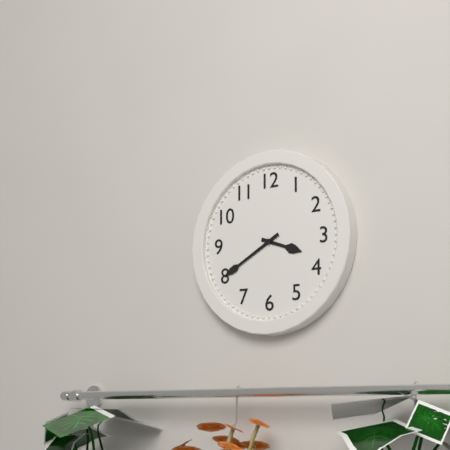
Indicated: 3 h 40 min
